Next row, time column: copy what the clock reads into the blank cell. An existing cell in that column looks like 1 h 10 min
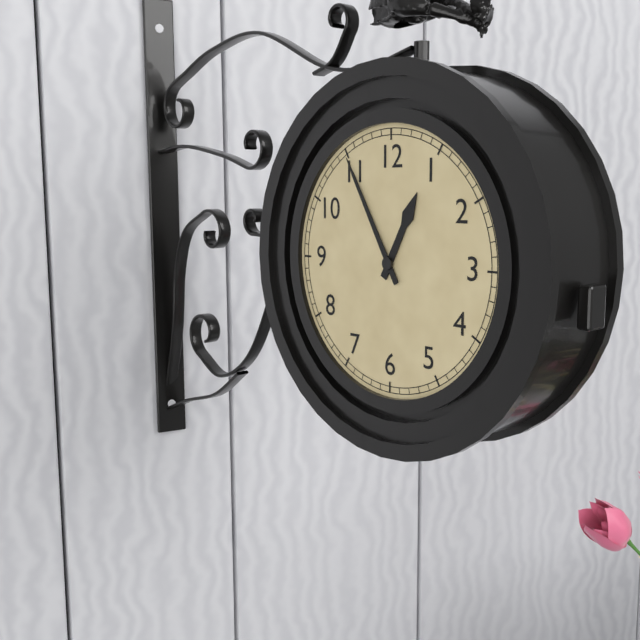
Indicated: 12 h 55 min
